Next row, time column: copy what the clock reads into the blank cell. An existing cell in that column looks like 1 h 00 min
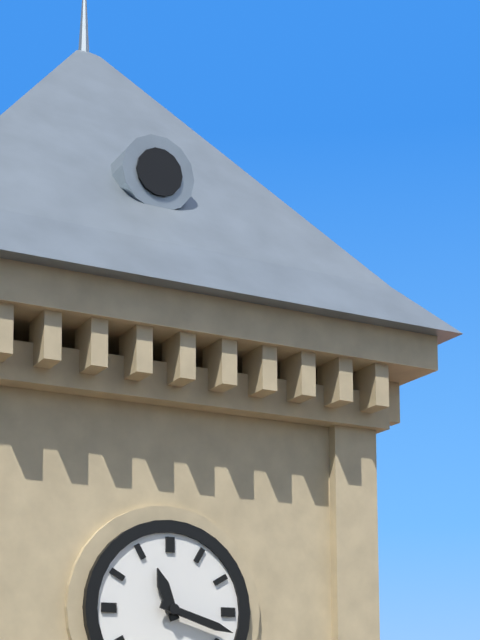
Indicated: 11 h 18 min
